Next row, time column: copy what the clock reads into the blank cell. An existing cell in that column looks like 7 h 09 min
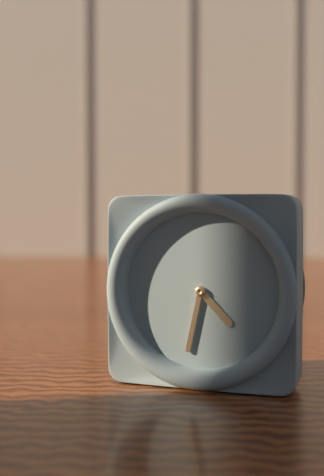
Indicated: 4 h 32 min
